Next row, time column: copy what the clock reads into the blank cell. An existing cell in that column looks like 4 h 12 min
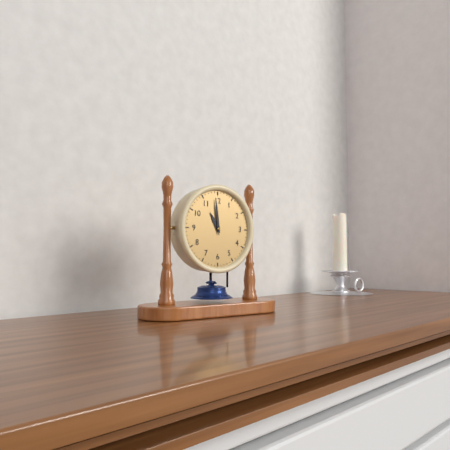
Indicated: 10 h 59 min
